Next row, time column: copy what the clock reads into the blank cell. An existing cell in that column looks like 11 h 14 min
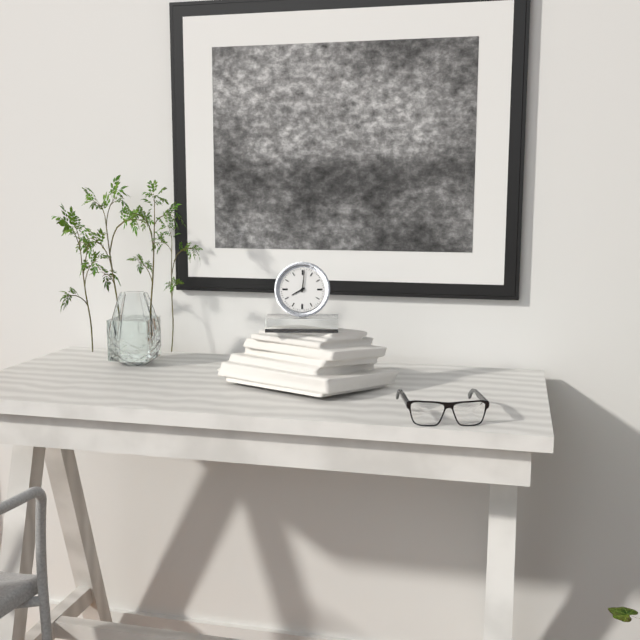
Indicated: 8 h 01 min
